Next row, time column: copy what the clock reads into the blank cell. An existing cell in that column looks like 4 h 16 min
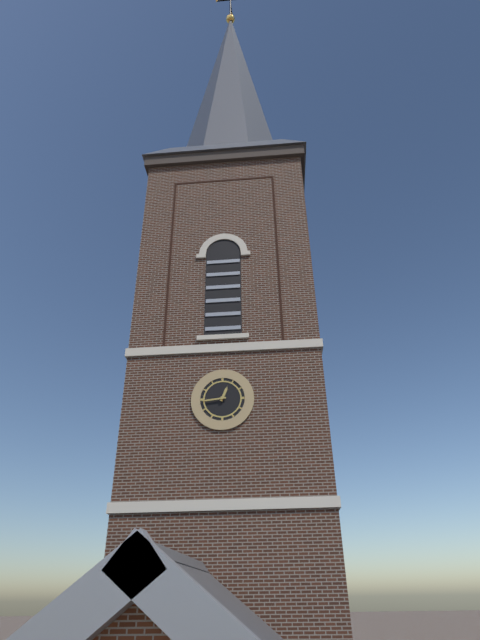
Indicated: 12 h 44 min
